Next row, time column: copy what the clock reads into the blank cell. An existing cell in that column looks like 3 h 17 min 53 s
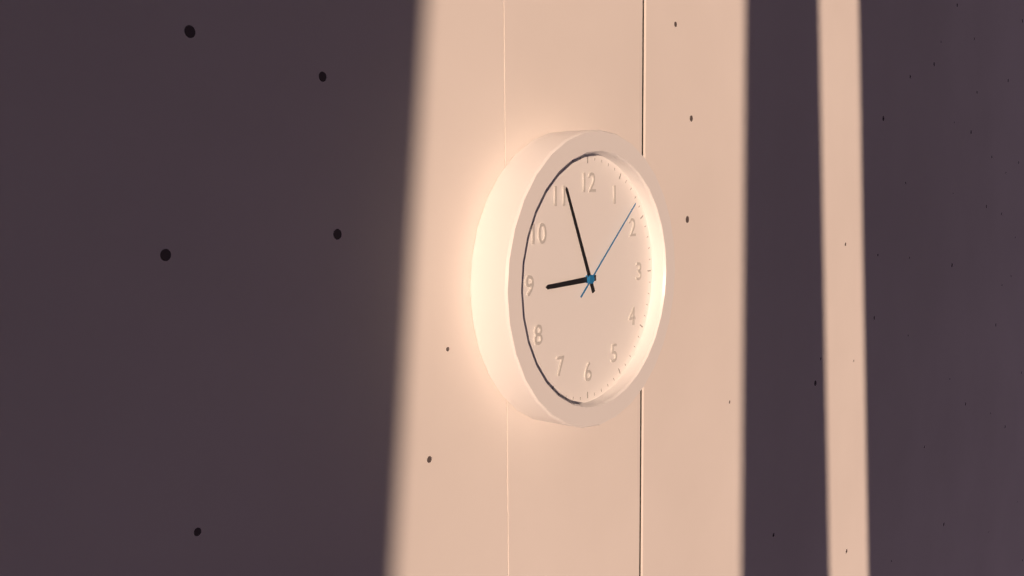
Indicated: 8 h 56 min 08 s
